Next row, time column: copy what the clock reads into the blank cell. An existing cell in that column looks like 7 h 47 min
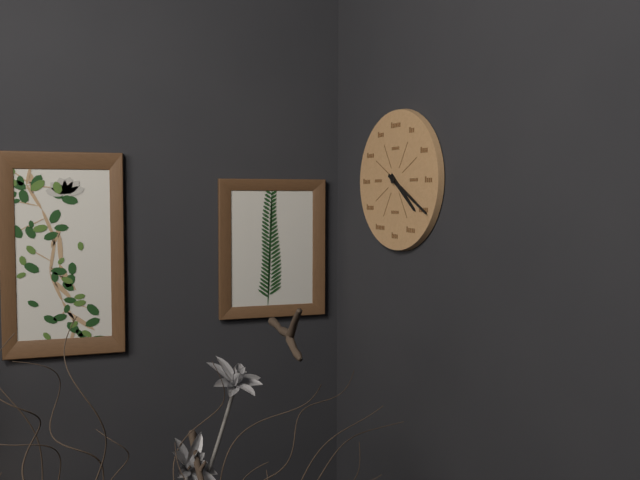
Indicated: 4 h 20 min
